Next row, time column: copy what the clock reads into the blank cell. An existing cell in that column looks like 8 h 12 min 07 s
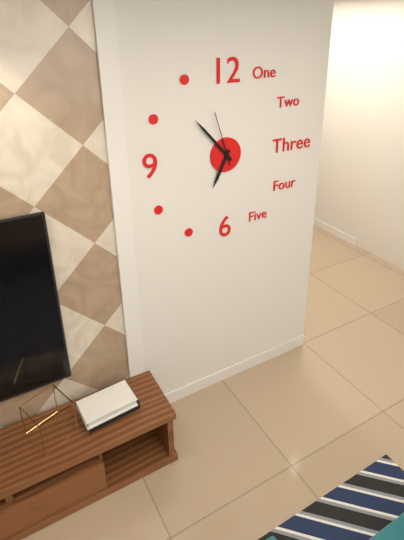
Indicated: 6 h 53 min 57 s
